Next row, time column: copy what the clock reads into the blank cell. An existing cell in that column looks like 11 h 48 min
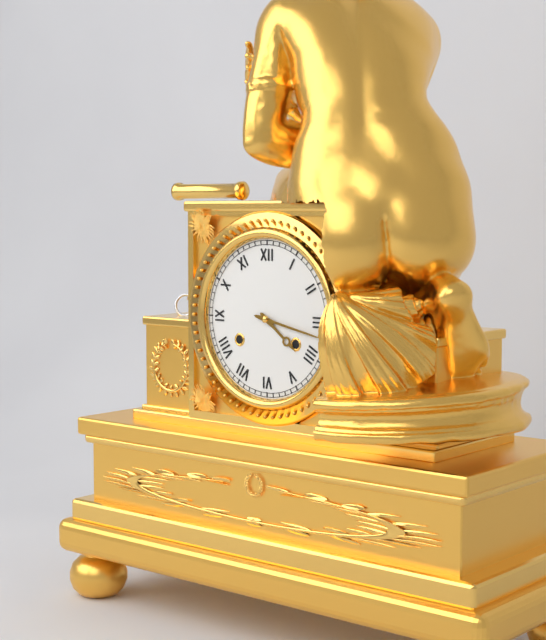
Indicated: 4 h 17 min
